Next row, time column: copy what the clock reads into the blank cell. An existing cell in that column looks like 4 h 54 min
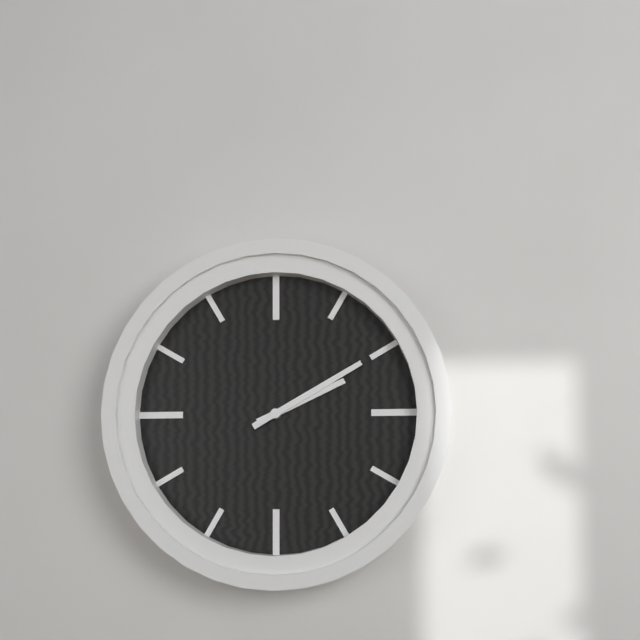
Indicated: 2 h 10 min
